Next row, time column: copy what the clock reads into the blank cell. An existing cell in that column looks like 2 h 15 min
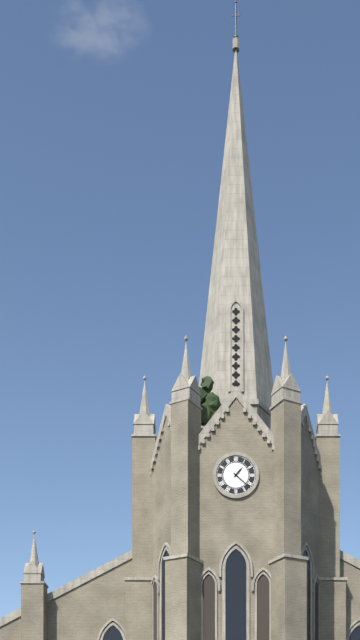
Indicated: 1 h 22 min
